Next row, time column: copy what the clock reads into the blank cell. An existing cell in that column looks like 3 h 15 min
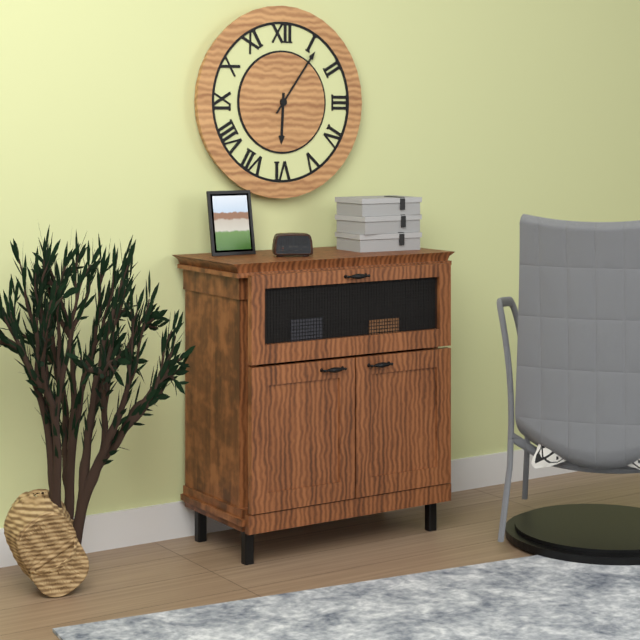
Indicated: 6 h 06 min
